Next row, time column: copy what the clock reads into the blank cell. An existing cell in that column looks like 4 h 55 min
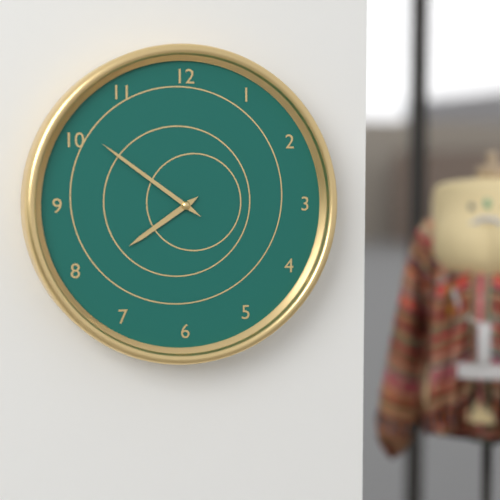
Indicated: 7 h 51 min
